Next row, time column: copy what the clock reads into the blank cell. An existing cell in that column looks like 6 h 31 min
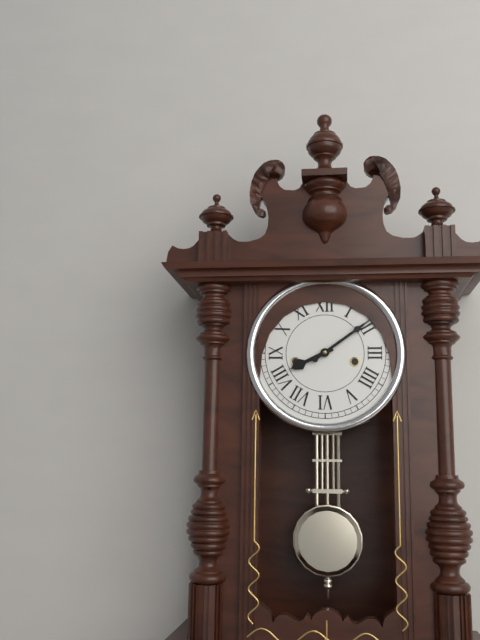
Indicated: 8 h 09 min
